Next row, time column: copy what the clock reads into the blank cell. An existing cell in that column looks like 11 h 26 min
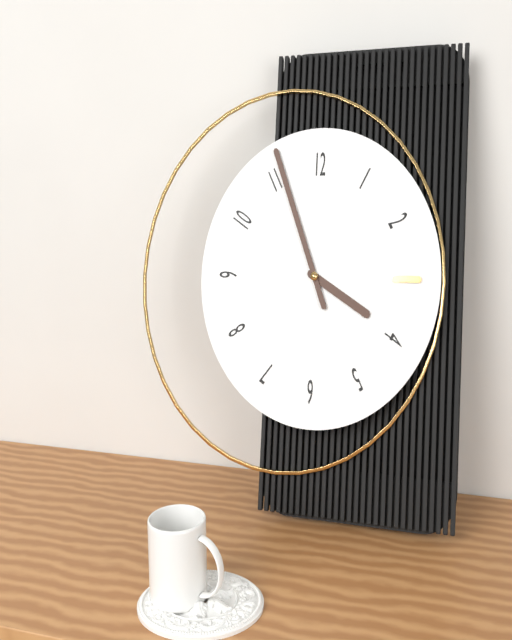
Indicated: 3 h 56 min
